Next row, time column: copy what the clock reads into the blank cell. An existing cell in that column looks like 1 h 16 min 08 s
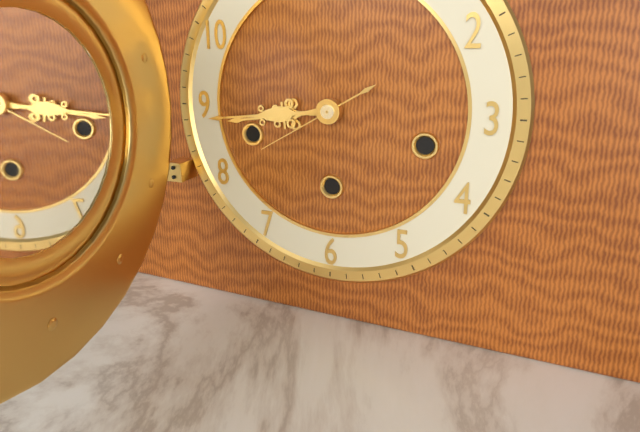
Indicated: 8 h 44 min 40 s
